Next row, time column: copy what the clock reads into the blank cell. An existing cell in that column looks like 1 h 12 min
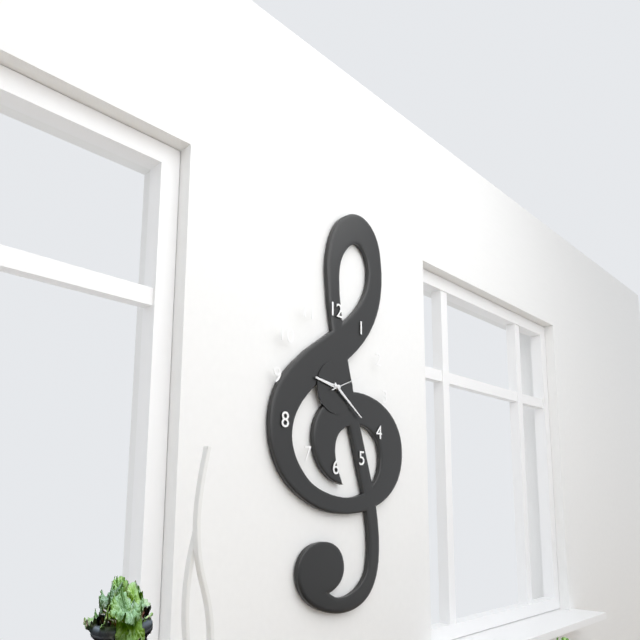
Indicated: 9 h 21 min
